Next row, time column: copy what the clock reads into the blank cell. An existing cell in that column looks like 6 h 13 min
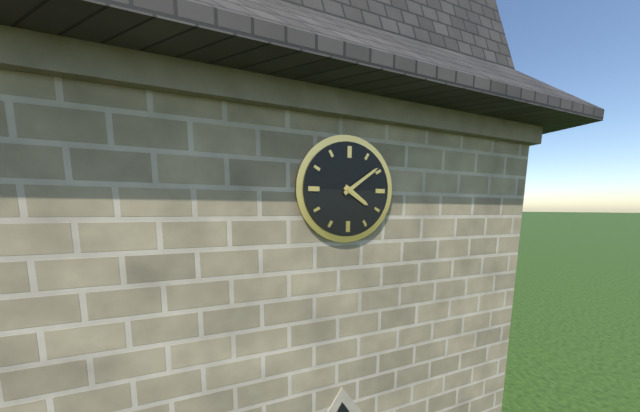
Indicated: 4 h 09 min
